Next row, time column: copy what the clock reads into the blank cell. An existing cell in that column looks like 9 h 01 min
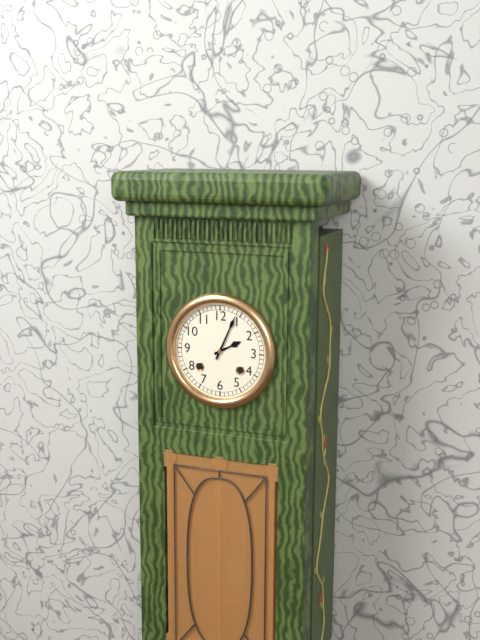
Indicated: 2 h 04 min
